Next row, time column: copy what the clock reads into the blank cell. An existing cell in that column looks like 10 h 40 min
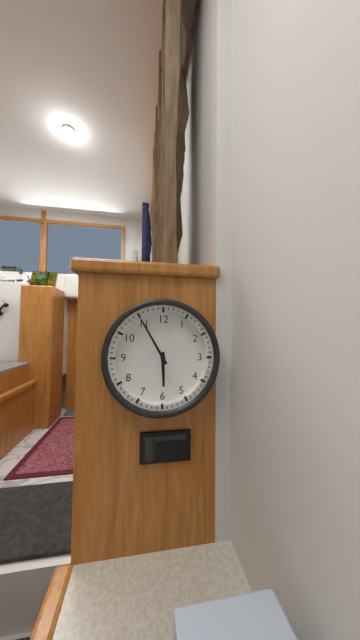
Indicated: 5 h 55 min
